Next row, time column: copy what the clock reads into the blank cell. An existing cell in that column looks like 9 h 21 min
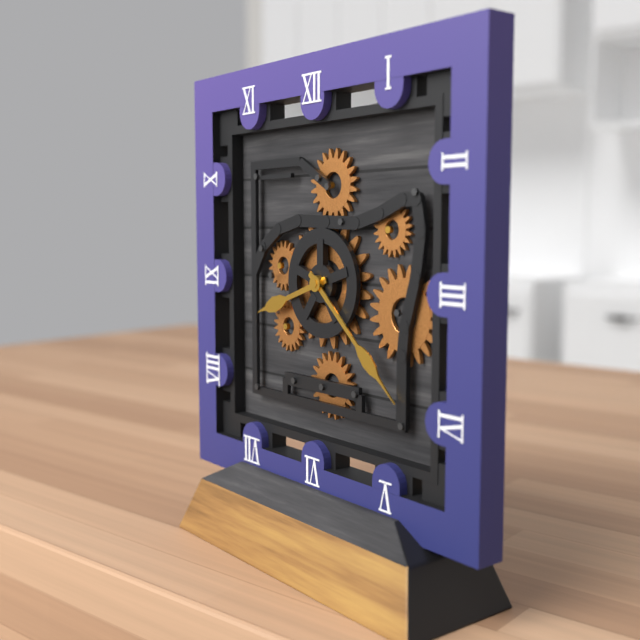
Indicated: 8 h 22 min
